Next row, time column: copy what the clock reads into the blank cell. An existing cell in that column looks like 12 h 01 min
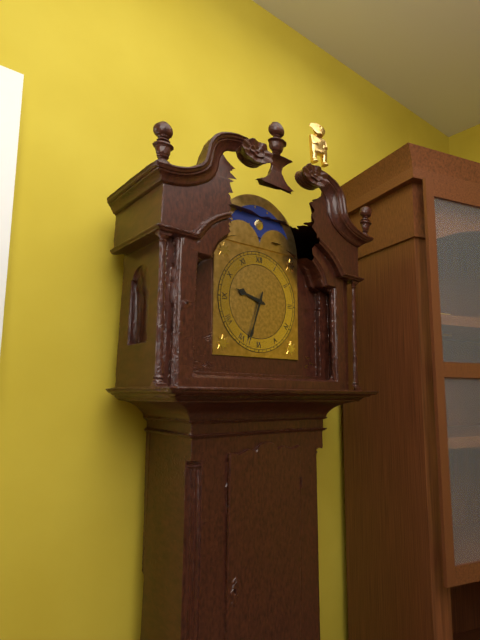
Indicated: 9 h 33 min
